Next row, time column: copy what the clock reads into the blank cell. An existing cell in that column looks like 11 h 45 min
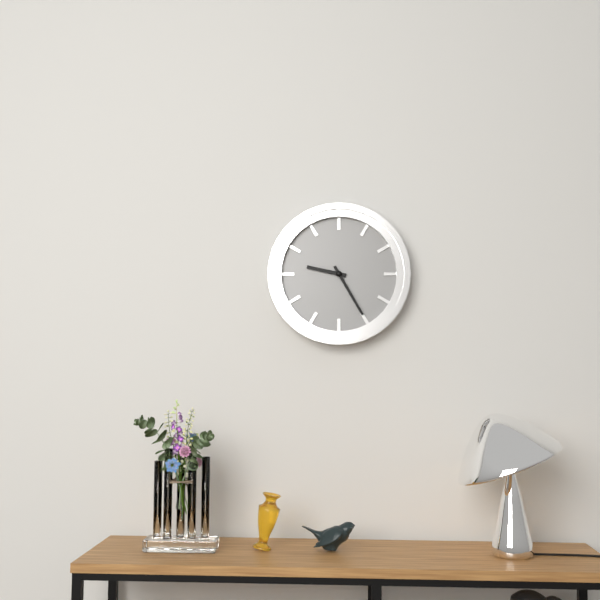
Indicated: 9 h 25 min
